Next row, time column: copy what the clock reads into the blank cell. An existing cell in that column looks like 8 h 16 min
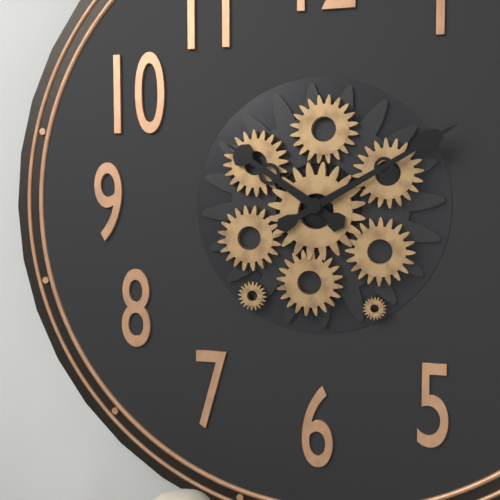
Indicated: 10 h 10 min
